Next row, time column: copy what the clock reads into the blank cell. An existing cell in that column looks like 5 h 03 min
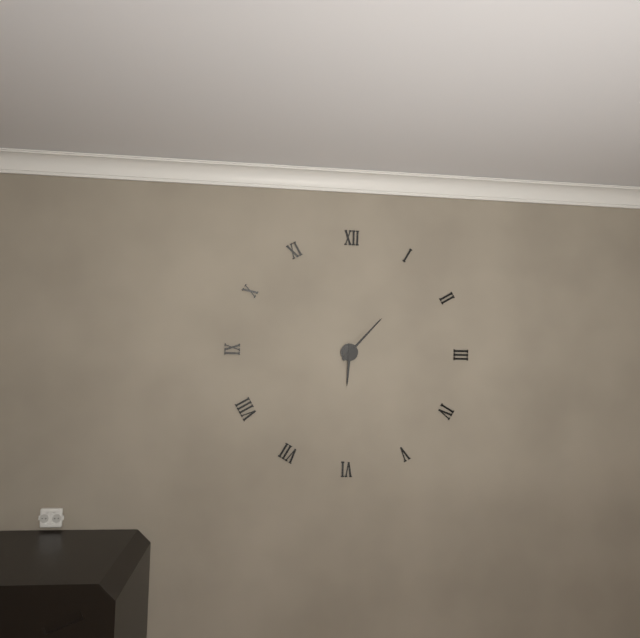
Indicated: 6 h 07 min
